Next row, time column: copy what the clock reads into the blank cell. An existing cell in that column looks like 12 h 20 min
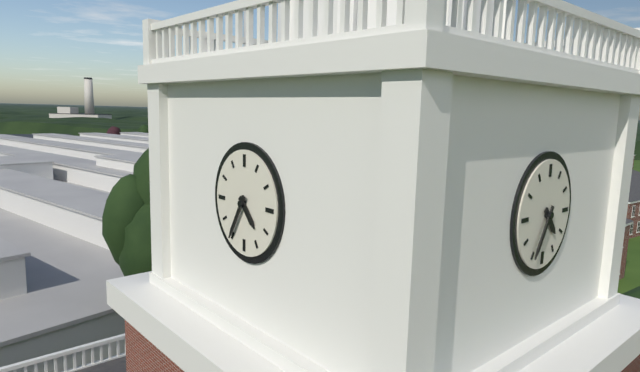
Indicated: 4 h 35 min
